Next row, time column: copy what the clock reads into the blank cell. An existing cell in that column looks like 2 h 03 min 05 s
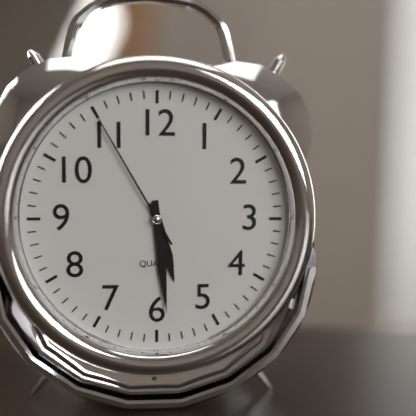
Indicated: 5 h 29 min 55 s
